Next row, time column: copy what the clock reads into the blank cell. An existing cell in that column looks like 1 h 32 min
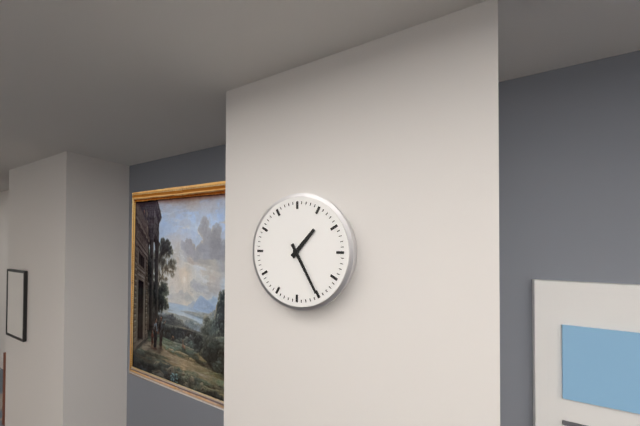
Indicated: 1 h 25 min
